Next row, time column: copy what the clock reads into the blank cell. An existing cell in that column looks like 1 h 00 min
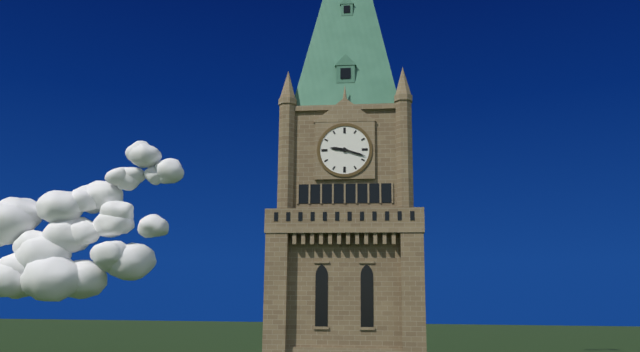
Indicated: 9 h 18 min
